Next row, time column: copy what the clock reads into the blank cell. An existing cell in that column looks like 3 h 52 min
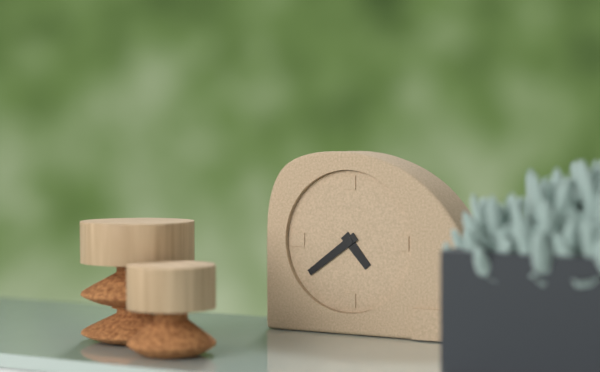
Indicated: 4 h 39 min
